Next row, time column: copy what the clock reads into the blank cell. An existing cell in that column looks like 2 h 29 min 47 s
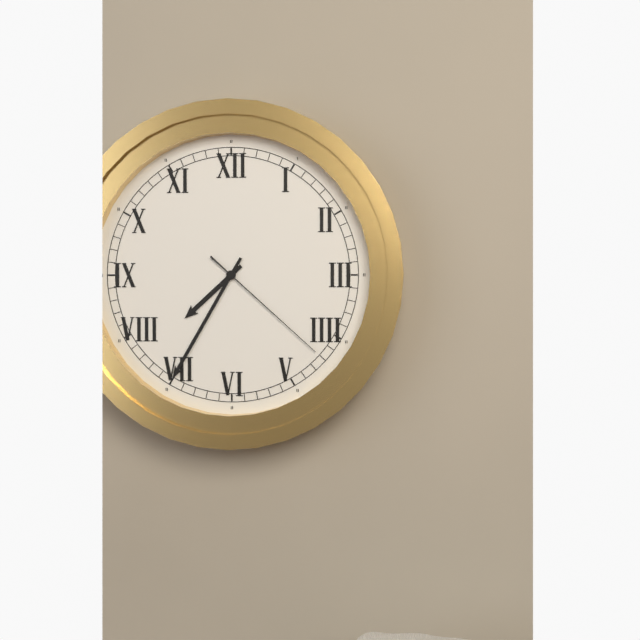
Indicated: 7 h 35 min 22 s
